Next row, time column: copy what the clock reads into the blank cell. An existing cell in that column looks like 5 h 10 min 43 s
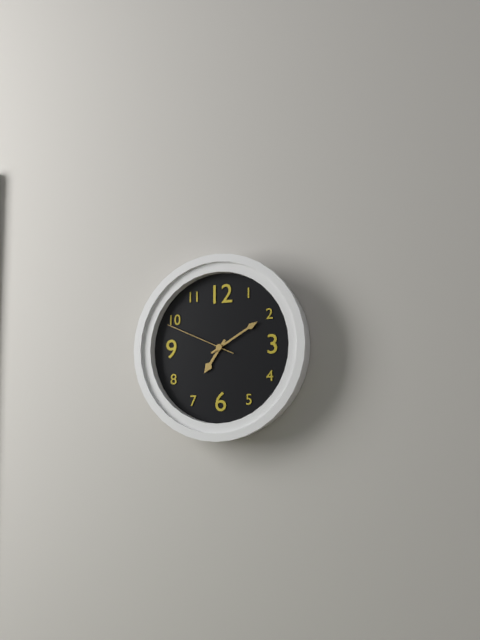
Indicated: 7 h 10 min 49 s
